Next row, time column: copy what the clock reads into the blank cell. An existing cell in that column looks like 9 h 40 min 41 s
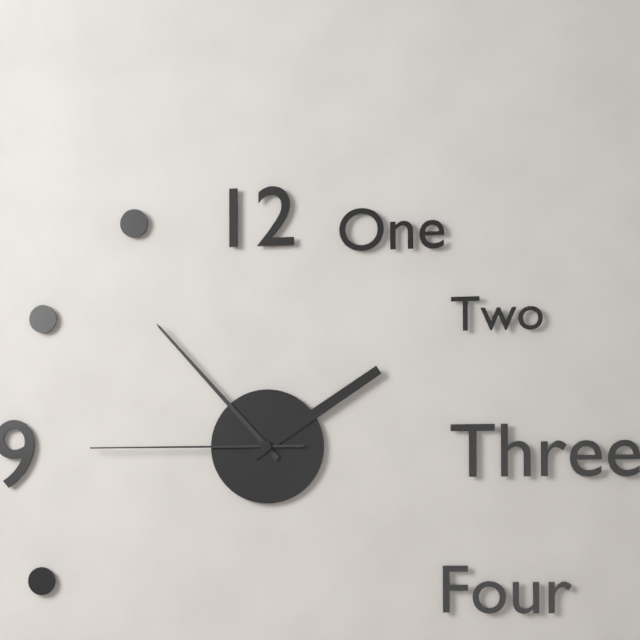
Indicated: 1 h 53 min 45 s
